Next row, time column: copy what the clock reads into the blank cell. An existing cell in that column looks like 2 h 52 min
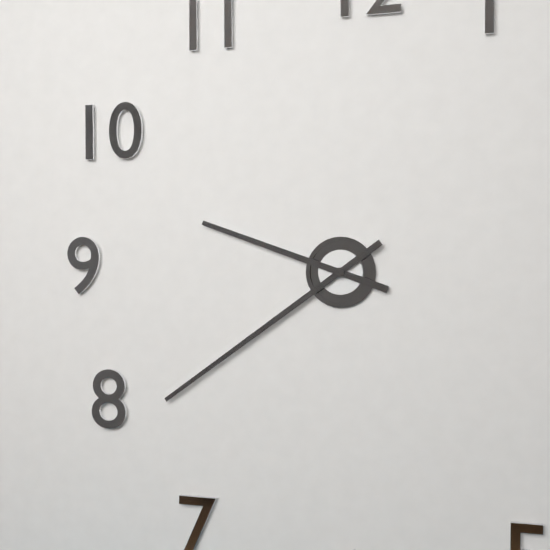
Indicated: 9 h 39 min
